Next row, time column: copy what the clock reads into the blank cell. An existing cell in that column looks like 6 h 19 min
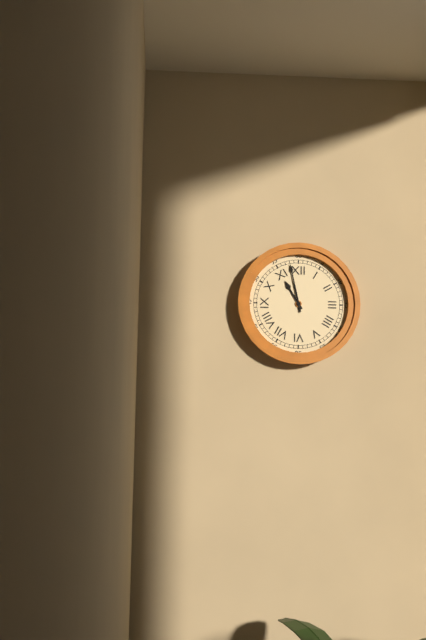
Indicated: 10 h 58 min
